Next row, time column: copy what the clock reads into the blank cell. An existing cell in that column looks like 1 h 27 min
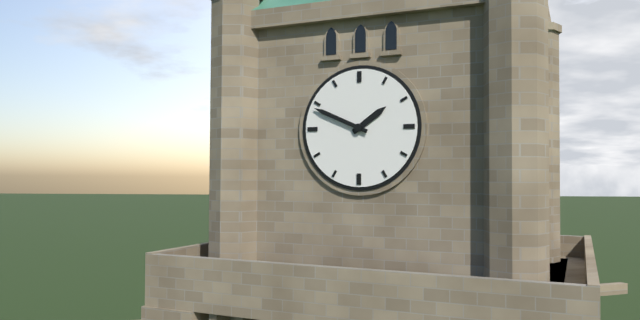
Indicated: 1 h 49 min
